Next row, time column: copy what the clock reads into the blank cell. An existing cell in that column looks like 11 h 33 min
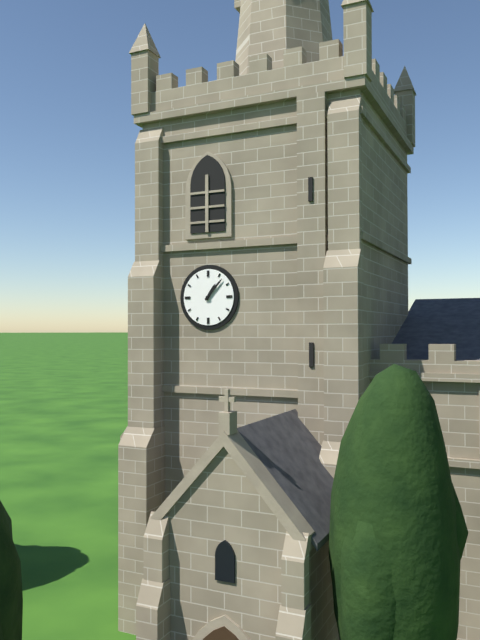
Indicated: 1 h 07 min
